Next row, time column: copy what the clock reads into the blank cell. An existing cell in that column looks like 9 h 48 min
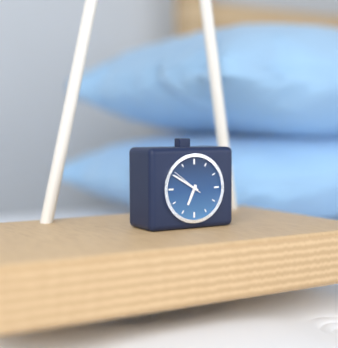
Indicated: 6 h 50 min
